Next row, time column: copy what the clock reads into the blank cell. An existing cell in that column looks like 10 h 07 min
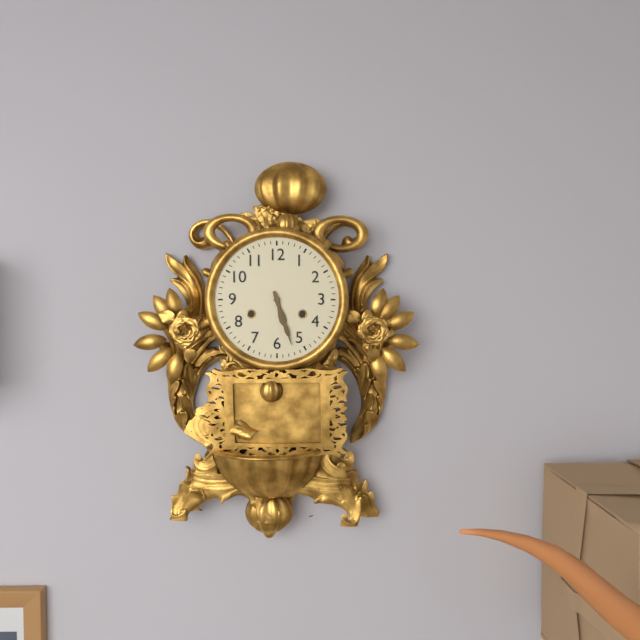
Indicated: 5 h 27 min
